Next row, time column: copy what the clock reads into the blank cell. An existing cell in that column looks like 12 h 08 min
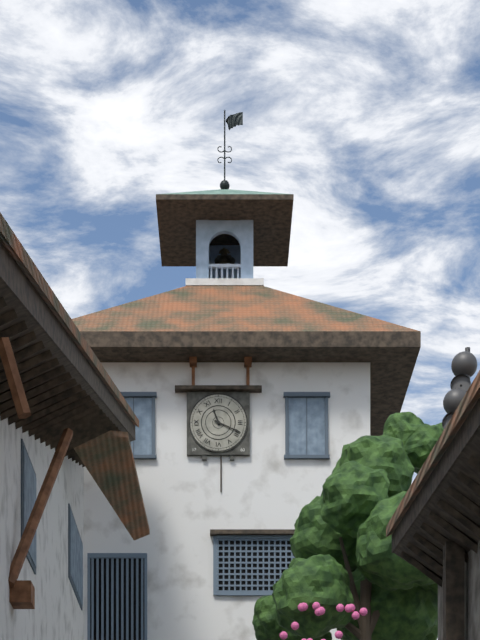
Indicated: 11 h 19 min
